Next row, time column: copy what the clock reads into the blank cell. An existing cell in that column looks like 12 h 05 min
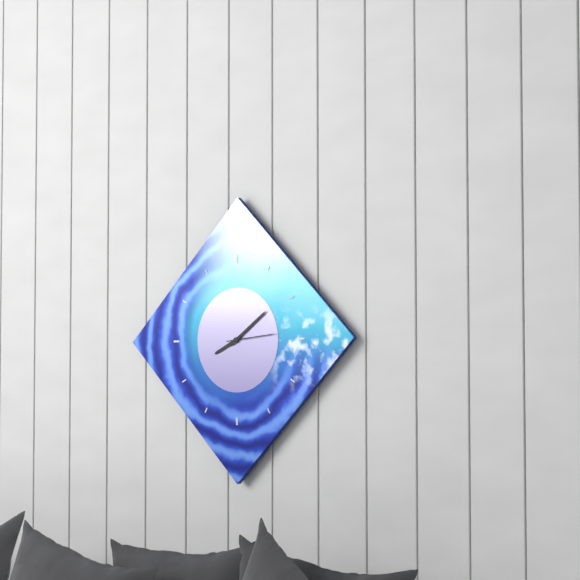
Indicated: 8 h 09 min
